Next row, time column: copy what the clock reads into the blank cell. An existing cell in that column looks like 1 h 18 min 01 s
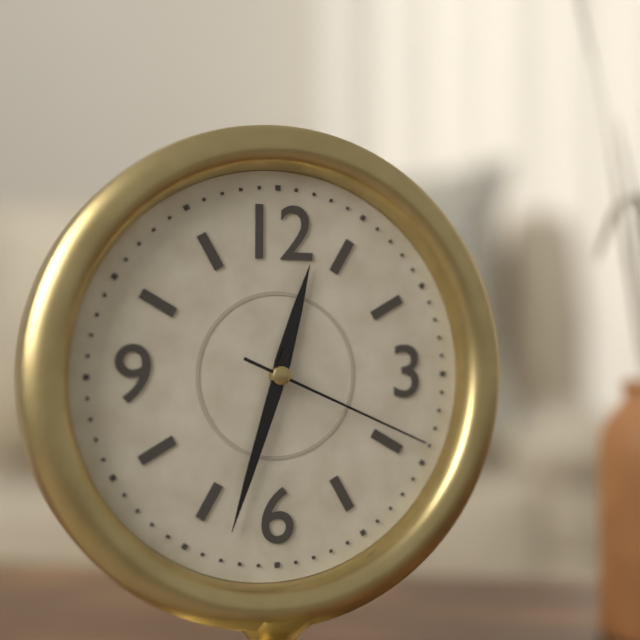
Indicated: 12 h 33 min 19 s
